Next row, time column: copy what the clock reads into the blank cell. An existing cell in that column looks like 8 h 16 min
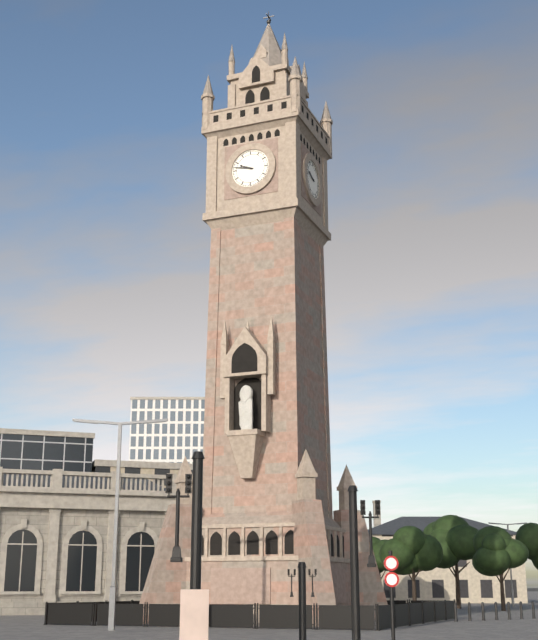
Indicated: 9 h 47 min
